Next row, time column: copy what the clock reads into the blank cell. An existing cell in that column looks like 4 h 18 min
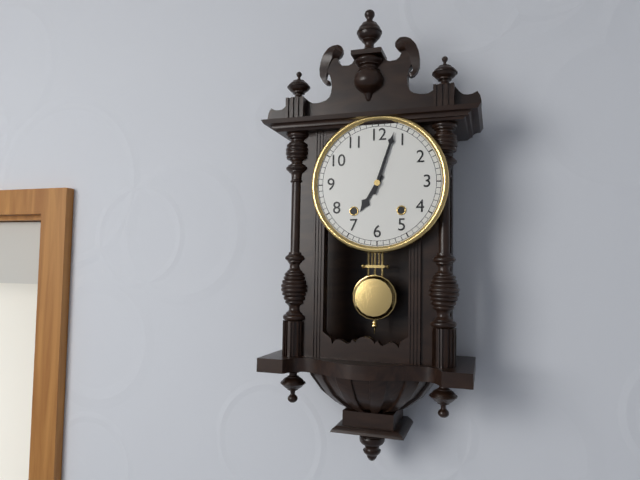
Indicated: 7 h 03 min
